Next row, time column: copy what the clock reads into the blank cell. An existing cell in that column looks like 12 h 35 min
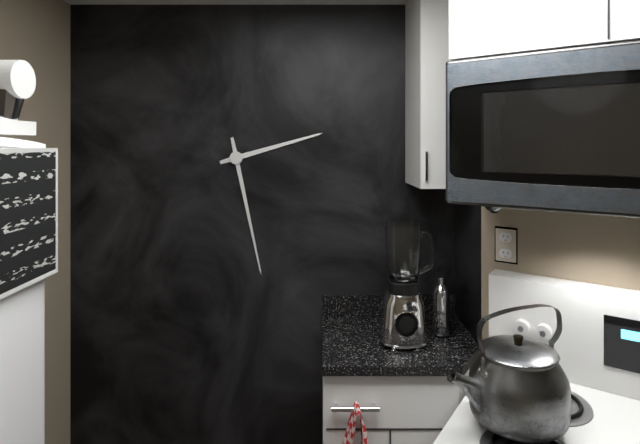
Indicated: 2 h 28 min
